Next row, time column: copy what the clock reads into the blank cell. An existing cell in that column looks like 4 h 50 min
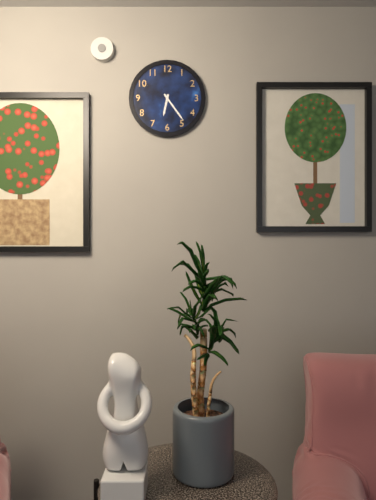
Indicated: 6 h 24 min
